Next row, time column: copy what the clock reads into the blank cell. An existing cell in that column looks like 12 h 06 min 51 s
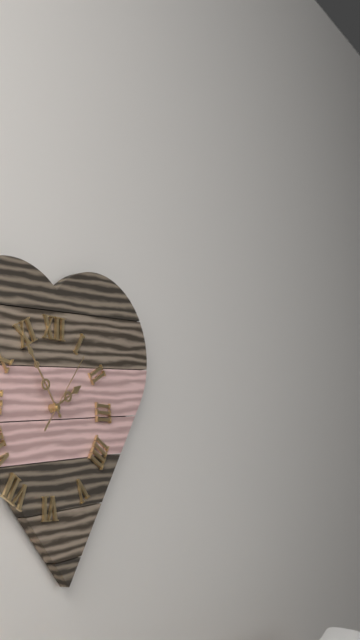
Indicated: 1 h 54 min 06 s
